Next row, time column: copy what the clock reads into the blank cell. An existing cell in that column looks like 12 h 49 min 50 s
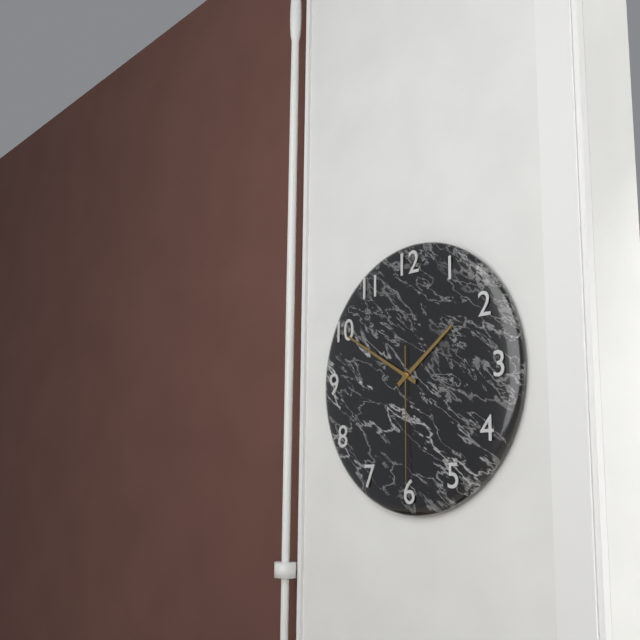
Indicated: 1 h 50 min 30 s
